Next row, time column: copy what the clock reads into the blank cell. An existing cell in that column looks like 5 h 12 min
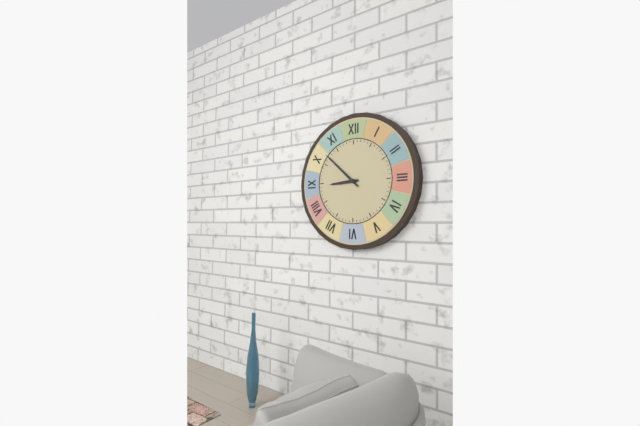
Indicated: 8 h 52 min
